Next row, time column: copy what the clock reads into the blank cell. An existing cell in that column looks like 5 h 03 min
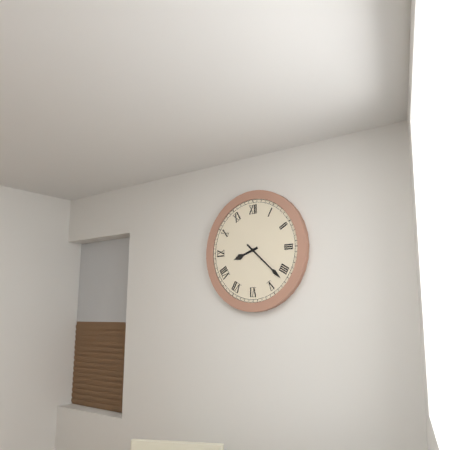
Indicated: 8 h 22 min
